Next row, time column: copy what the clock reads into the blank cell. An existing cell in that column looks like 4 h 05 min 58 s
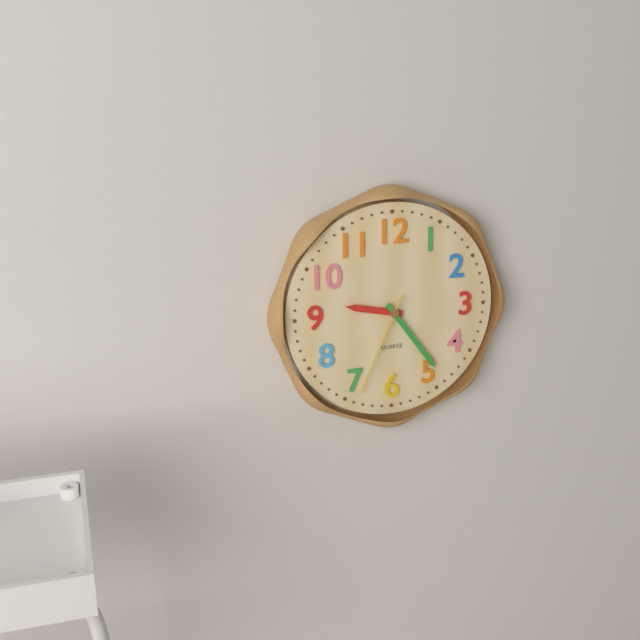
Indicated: 9 h 24 min 34 s
